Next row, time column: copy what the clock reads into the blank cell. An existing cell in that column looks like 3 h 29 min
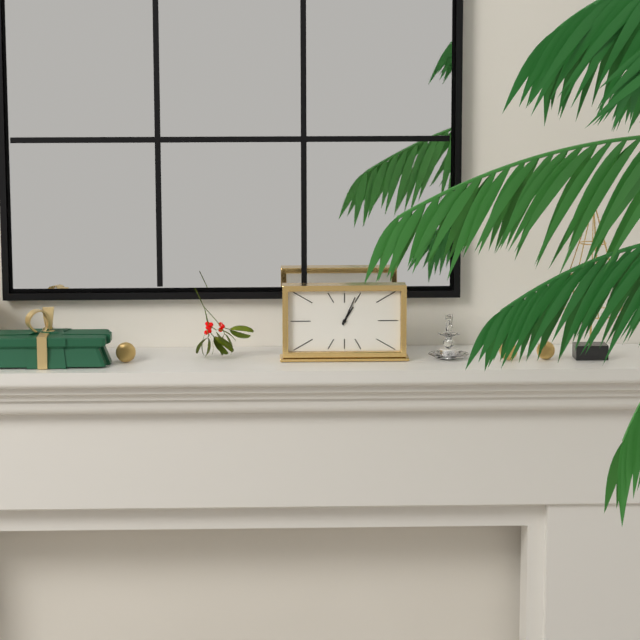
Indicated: 1 h 04 min
